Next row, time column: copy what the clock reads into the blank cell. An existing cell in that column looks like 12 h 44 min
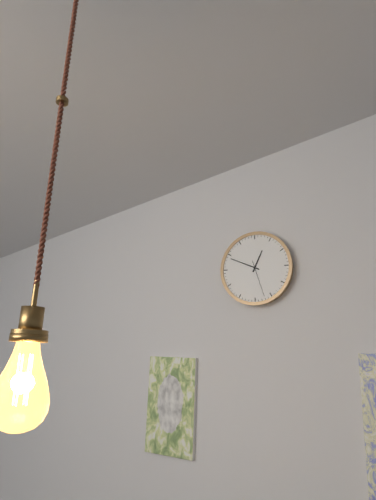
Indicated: 12 h 49 min
